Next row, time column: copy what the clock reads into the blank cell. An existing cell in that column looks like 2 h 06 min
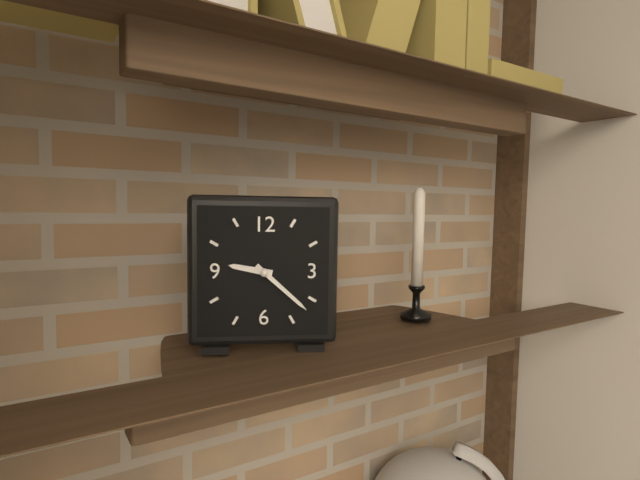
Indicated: 9 h 22 min
